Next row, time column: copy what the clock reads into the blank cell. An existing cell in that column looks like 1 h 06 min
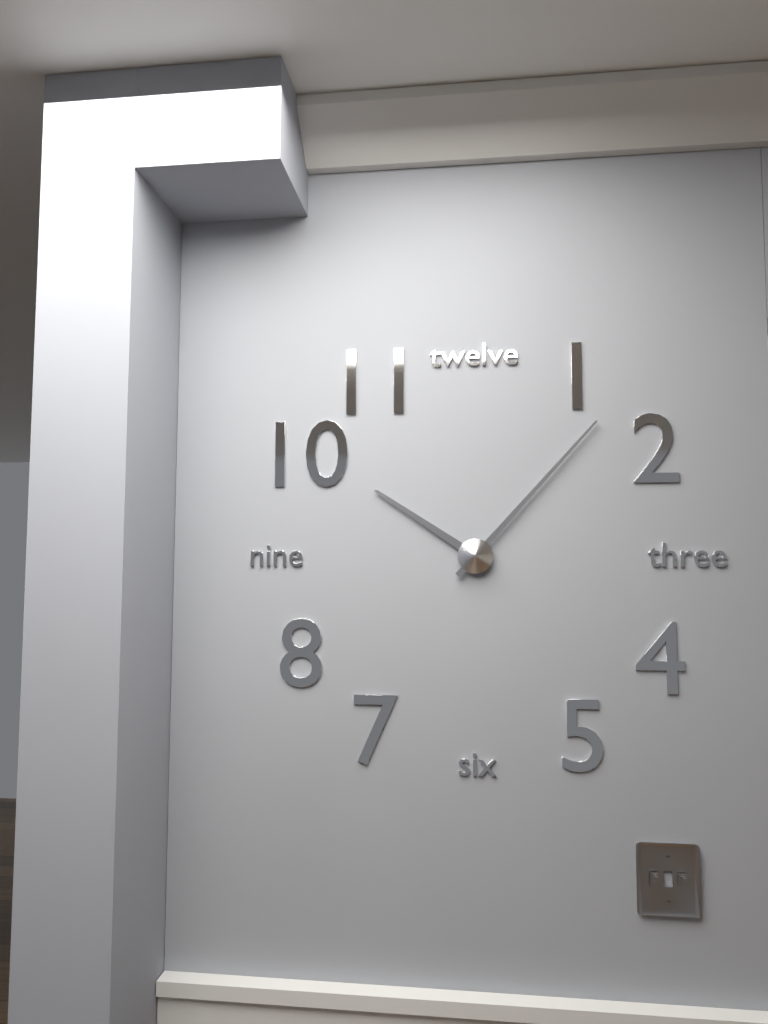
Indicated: 10 h 07 min
